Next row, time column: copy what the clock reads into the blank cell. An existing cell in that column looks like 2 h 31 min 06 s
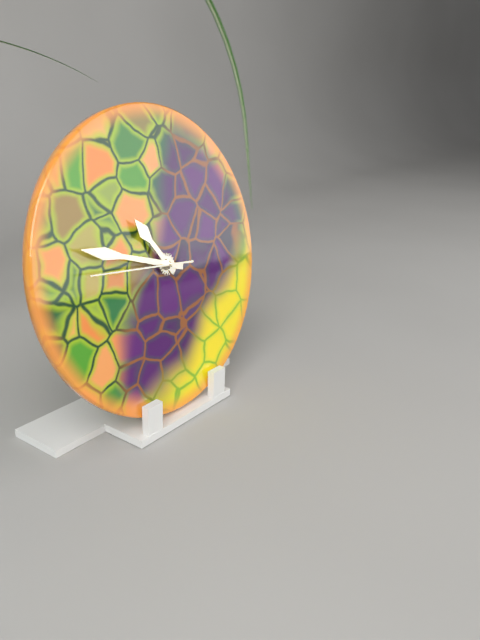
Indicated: 10 h 48 min 46 s
